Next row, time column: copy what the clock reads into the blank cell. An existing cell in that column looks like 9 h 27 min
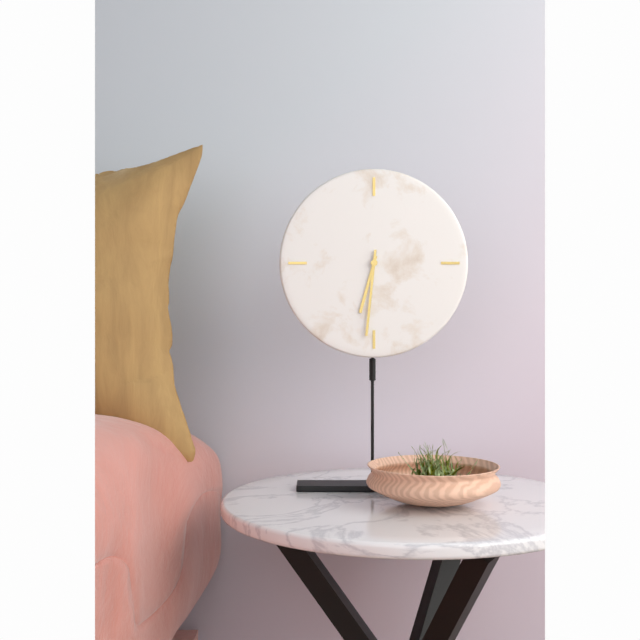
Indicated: 6 h 31 min
